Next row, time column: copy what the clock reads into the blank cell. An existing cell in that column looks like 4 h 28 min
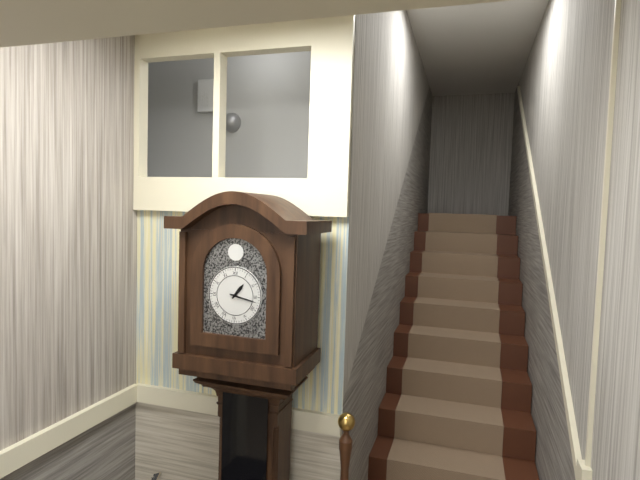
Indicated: 1 h 17 min
